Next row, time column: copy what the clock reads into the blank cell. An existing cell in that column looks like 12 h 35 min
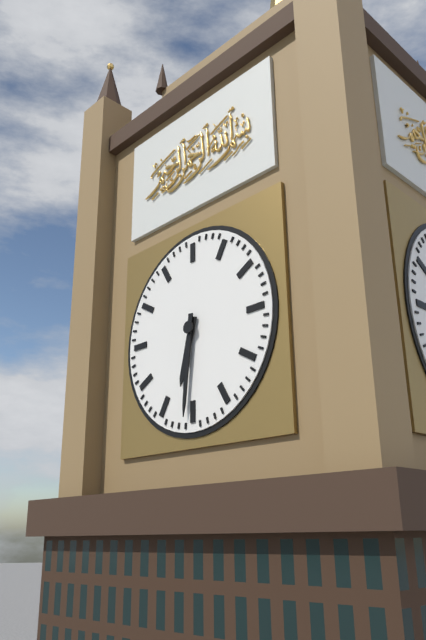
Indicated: 6 h 31 min
